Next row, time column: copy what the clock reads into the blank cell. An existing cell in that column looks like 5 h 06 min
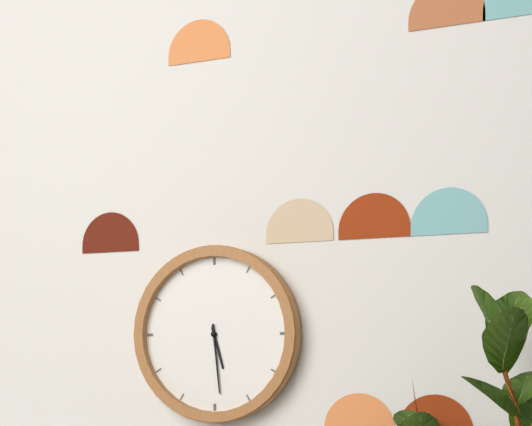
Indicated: 5 h 29 min
